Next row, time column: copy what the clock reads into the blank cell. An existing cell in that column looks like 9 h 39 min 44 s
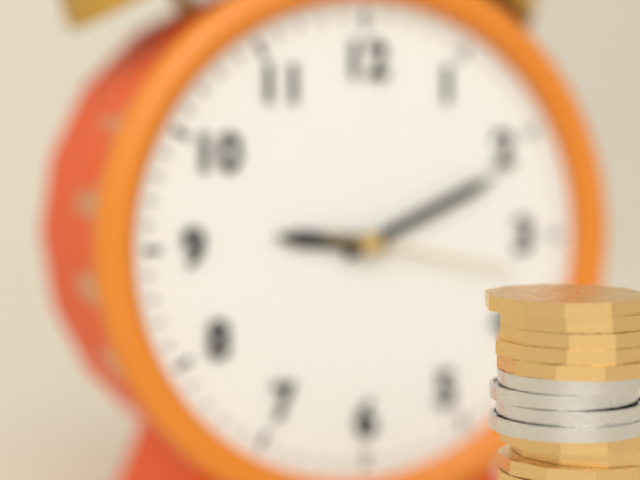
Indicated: 9 h 11 min 17 s
